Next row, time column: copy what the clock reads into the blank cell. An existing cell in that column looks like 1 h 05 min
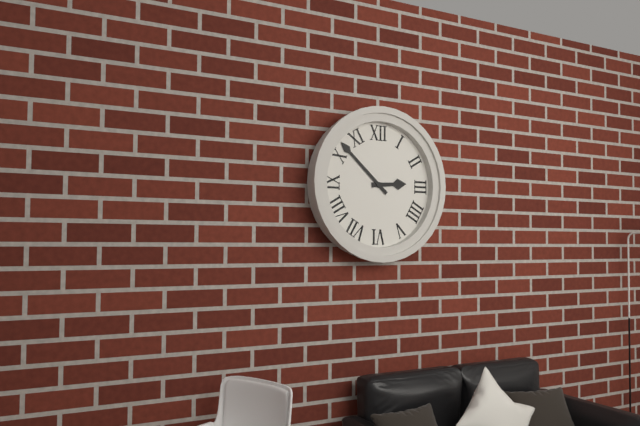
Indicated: 2 h 52 min
